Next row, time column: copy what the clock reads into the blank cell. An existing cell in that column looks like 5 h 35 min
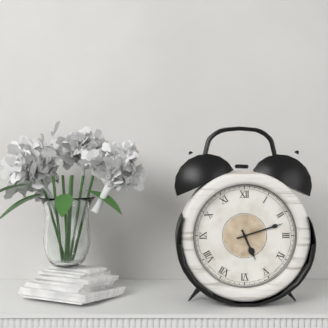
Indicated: 5 h 12 min
